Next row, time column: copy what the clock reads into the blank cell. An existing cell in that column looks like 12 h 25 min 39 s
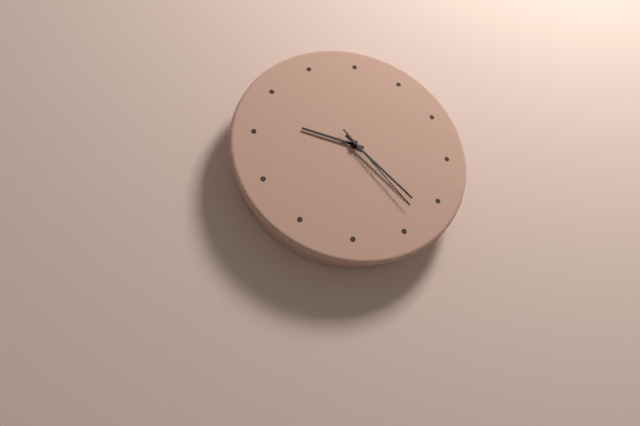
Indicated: 9 h 22 min 23 s
